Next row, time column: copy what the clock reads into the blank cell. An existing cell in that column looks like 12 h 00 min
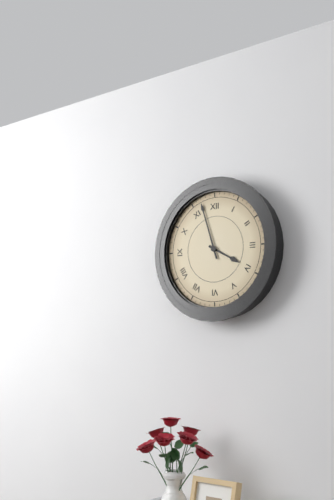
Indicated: 3 h 57 min
